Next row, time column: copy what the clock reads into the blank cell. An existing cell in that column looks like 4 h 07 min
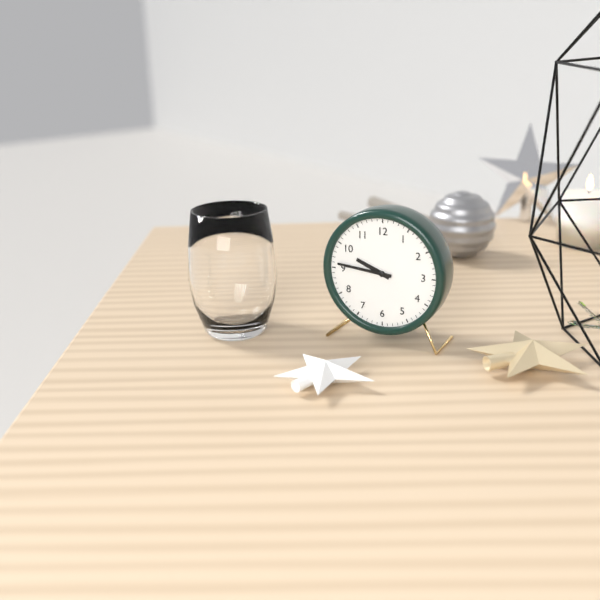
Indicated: 9 h 46 min
